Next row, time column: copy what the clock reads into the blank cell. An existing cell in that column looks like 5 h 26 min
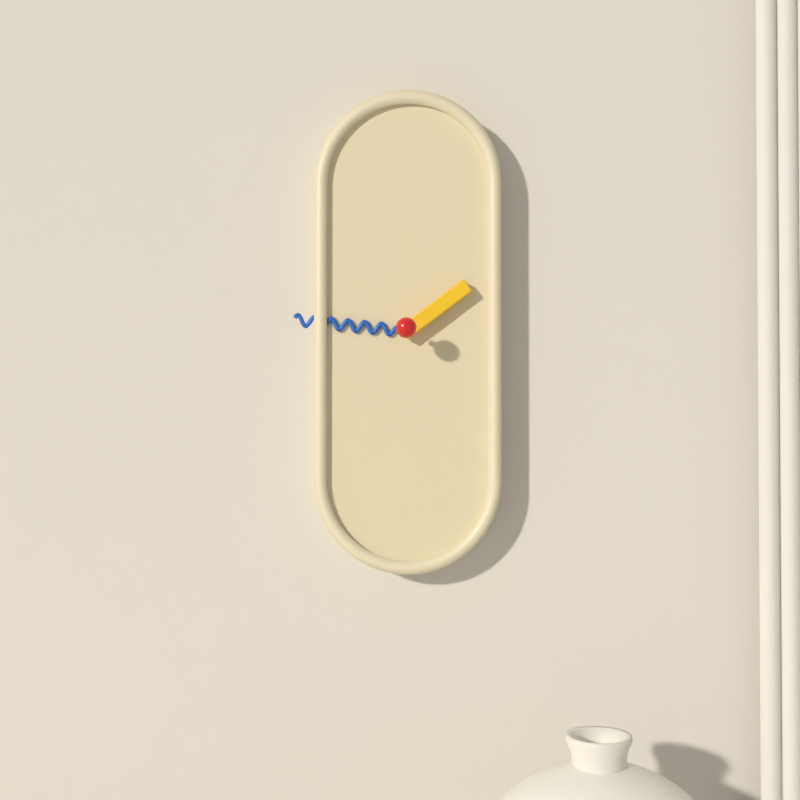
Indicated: 1 h 46 min
